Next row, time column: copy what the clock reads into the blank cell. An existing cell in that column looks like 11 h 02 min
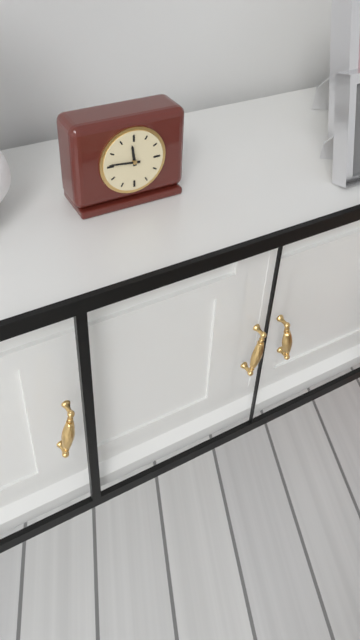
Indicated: 11 h 46 min
